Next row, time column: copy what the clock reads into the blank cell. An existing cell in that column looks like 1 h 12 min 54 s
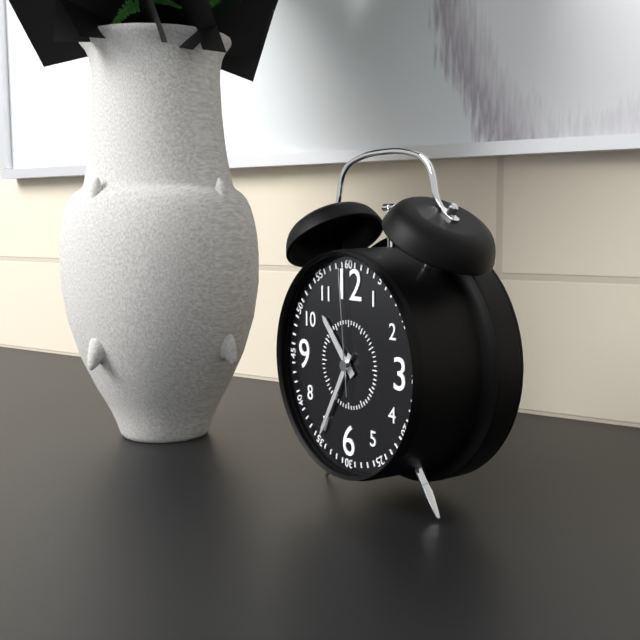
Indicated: 10 h 35 min 59 s
